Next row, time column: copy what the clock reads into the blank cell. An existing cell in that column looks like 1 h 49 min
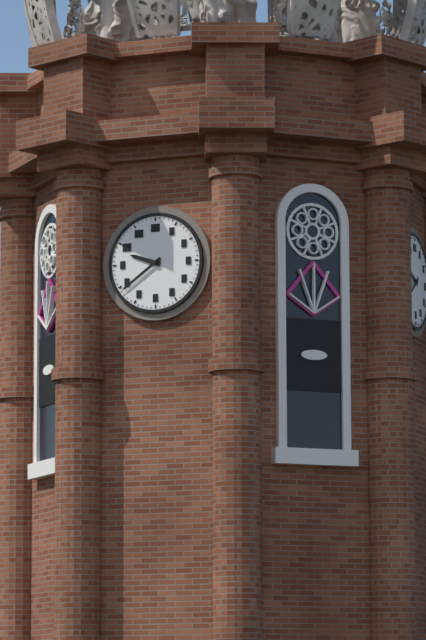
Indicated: 9 h 39 min
